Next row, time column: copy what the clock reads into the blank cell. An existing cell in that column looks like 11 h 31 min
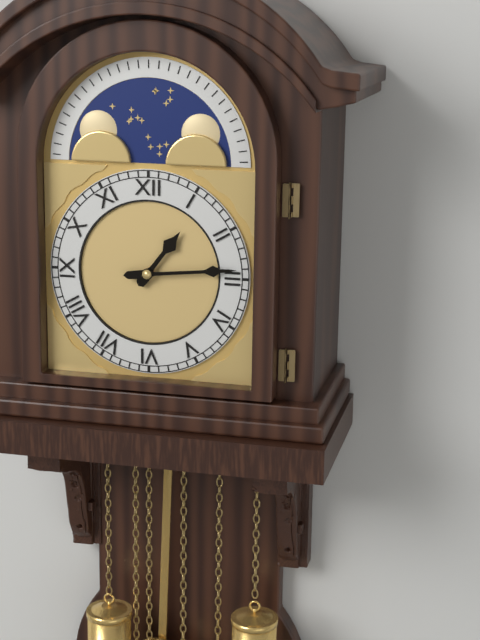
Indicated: 1 h 14 min
